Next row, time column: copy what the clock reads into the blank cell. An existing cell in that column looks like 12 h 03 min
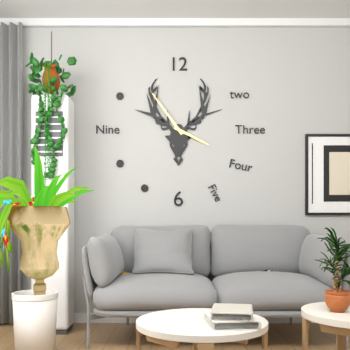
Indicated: 3 h 54 min
